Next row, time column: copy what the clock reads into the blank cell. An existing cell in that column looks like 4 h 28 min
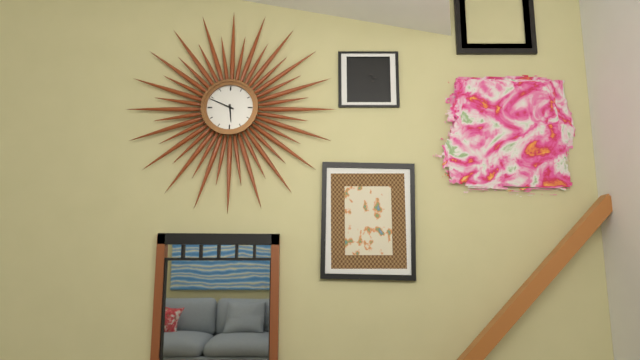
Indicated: 5 h 49 min
